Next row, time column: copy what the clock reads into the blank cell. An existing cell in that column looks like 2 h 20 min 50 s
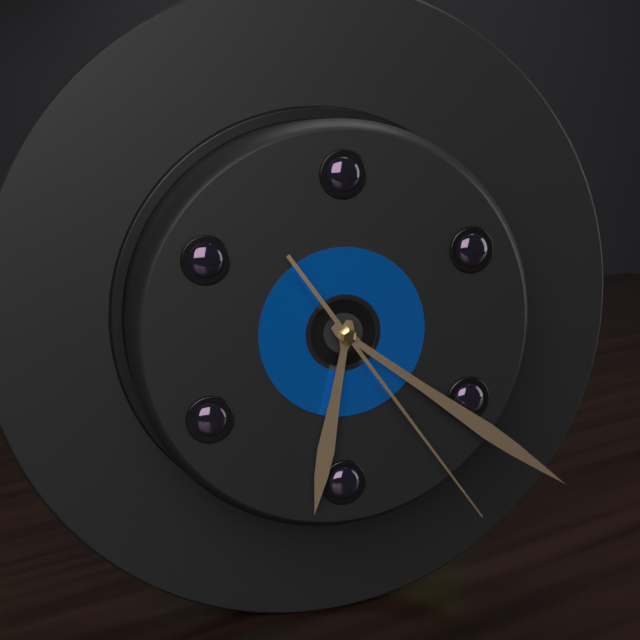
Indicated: 6 h 21 min 24 s
